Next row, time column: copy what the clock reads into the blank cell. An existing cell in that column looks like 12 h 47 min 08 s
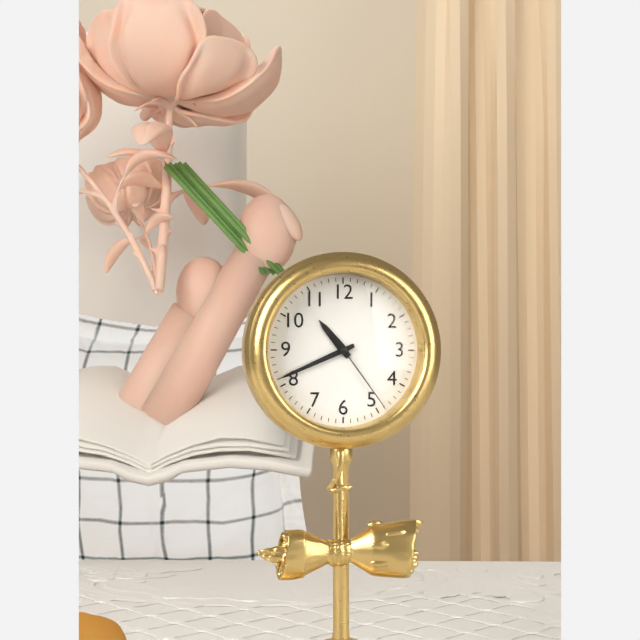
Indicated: 10 h 41 min 24 s
